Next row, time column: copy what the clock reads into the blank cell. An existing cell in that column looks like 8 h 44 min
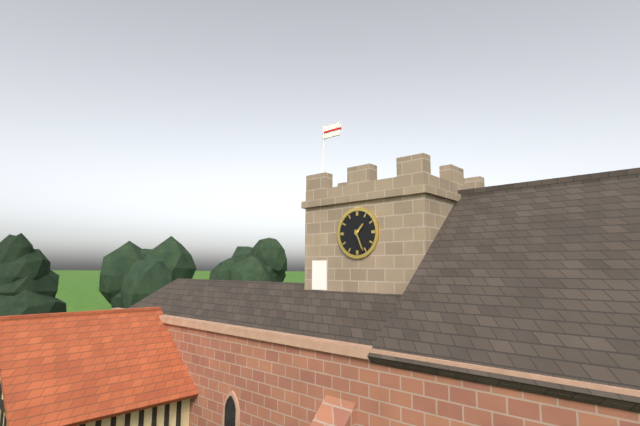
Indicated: 1 h 26 min
